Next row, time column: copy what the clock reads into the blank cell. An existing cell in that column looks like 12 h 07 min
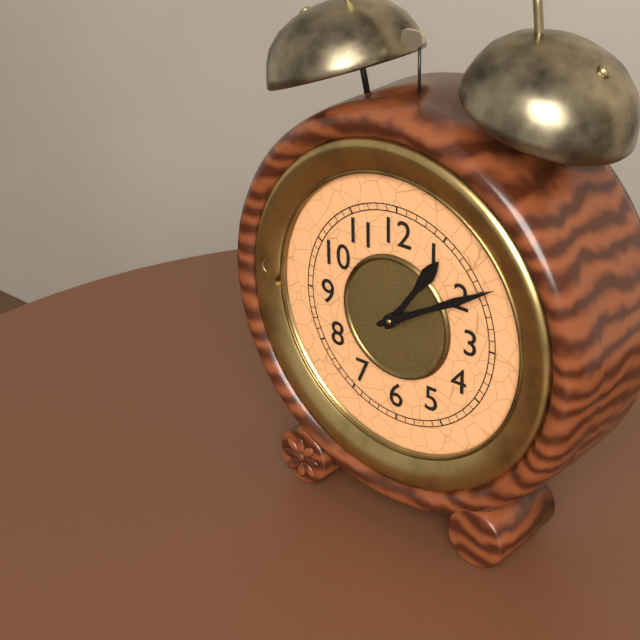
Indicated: 1 h 10 min
